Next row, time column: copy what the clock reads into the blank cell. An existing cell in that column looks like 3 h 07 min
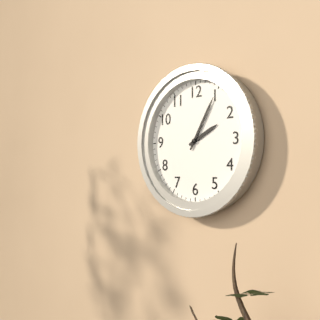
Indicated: 2 h 05 min
